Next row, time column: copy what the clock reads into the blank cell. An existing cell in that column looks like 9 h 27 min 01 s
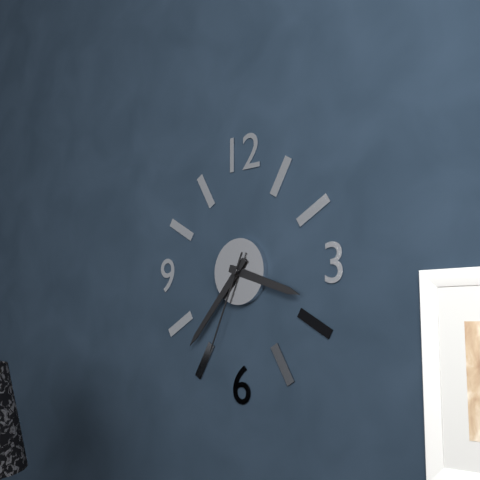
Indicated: 3 h 37 min 34 s
